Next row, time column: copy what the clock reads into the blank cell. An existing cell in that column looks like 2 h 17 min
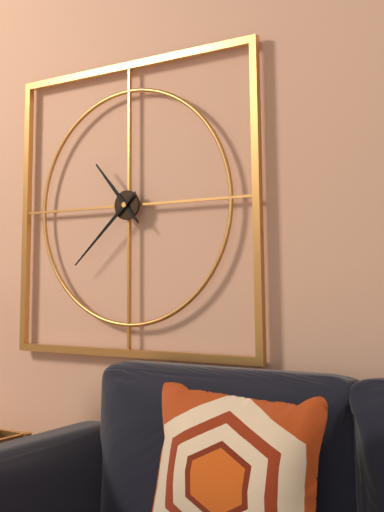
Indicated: 10 h 38 min
